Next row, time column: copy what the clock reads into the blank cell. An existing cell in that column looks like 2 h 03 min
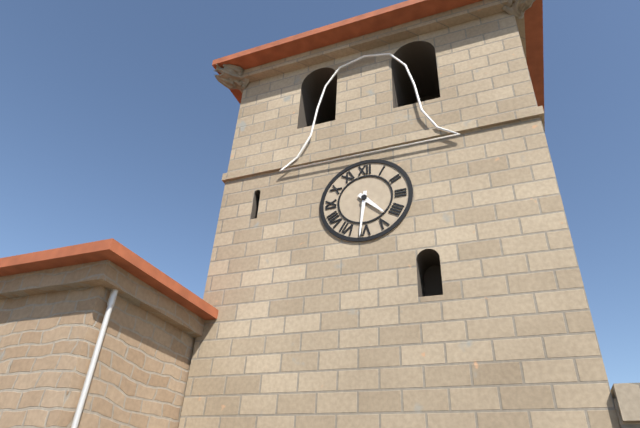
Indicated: 4 h 31 min
